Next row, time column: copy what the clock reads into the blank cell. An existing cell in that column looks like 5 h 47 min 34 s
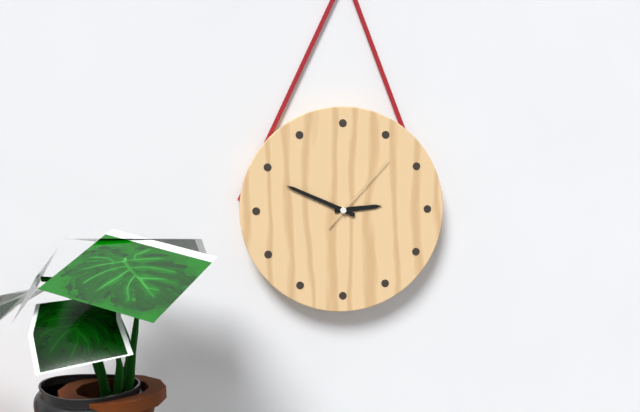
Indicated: 2 h 49 min 07 s
